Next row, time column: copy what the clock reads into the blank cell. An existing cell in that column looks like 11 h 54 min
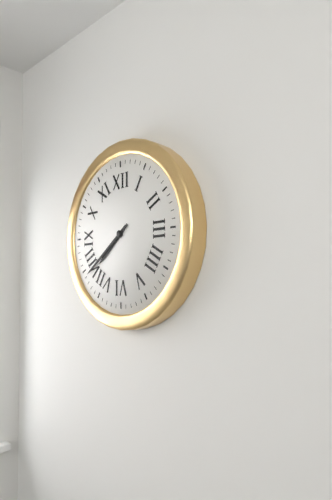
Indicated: 7 h 39 min
